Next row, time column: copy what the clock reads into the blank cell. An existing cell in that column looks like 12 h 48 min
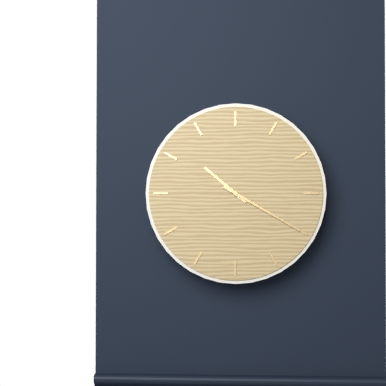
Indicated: 10 h 20 min
